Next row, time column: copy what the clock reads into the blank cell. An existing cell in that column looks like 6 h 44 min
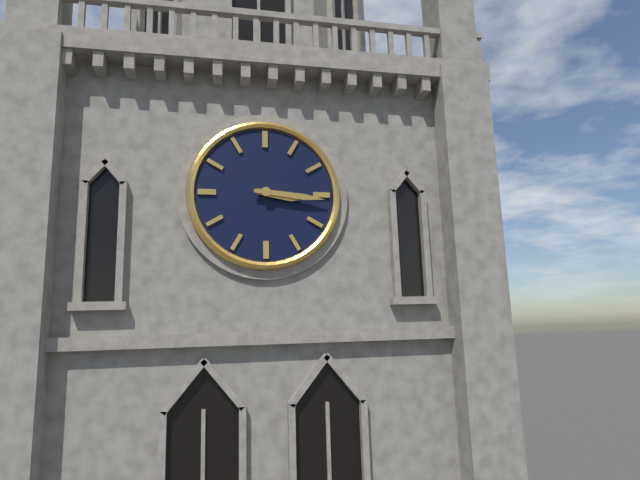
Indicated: 3 h 16 min
